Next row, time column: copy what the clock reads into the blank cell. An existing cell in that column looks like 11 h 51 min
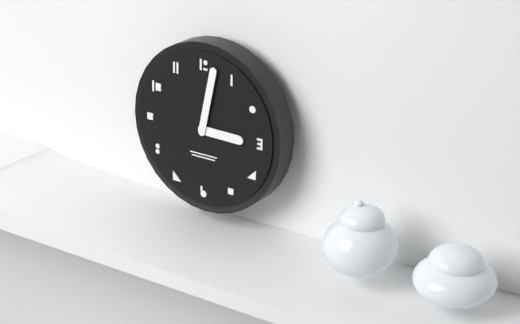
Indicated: 3 h 02 min
